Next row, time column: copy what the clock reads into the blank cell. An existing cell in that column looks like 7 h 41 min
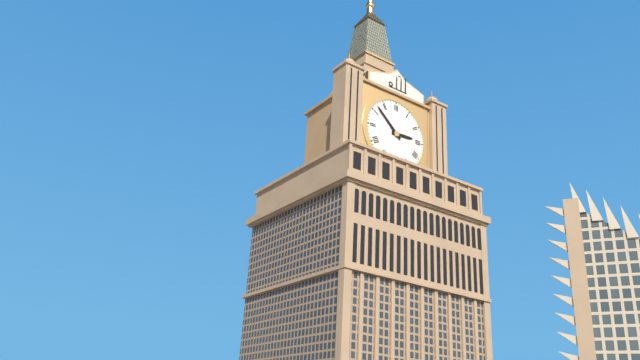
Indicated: 2 h 52 min
